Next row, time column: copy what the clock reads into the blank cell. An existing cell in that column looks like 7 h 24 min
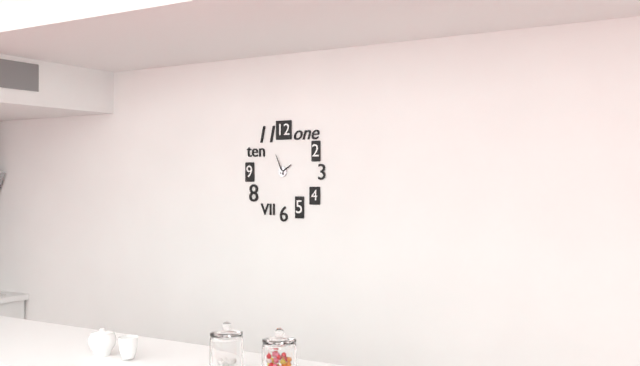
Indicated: 1 h 56 min
